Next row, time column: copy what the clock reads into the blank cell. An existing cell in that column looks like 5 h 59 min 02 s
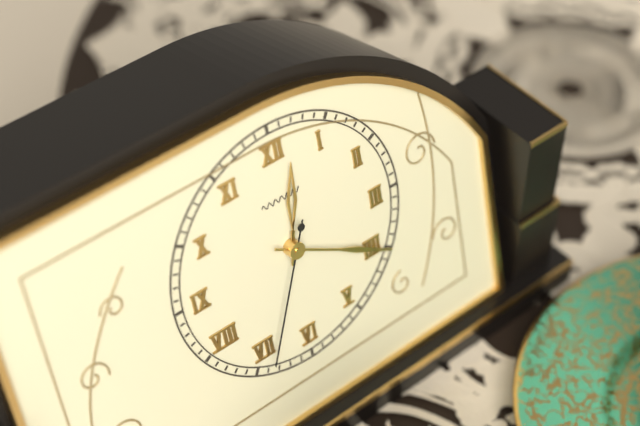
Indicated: 12 h 20 min 34 s
